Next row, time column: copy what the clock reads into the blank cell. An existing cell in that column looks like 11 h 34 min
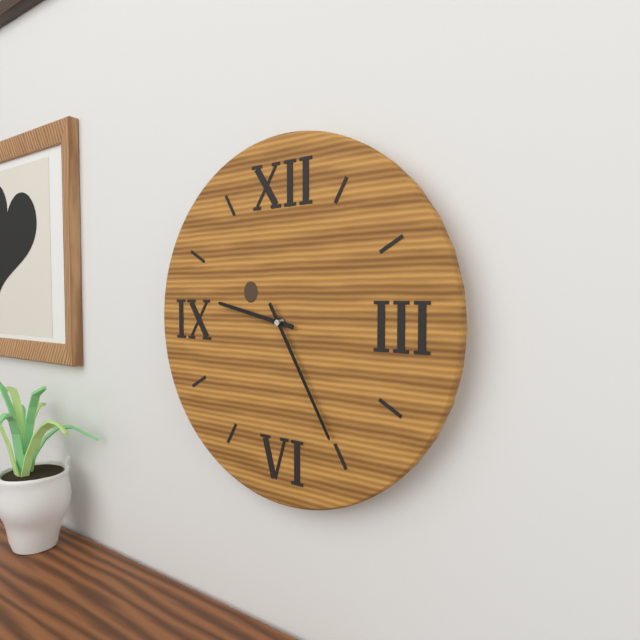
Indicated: 9 h 25 min
